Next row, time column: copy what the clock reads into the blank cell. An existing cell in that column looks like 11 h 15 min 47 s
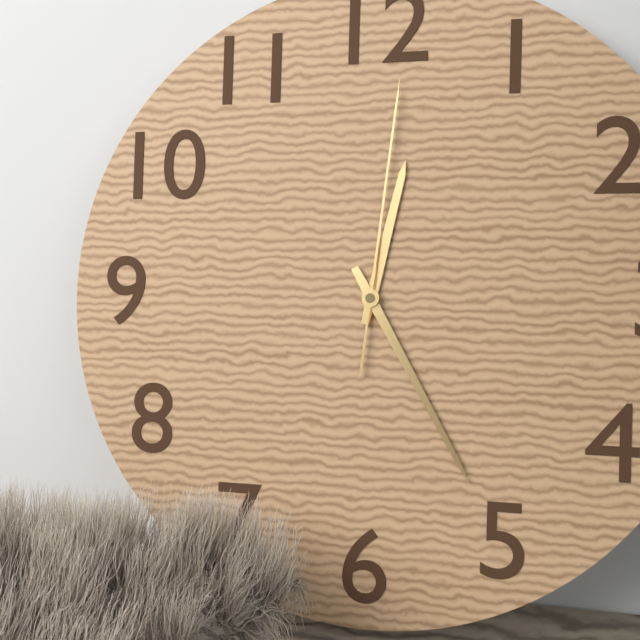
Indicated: 12 h 25 min 01 s
